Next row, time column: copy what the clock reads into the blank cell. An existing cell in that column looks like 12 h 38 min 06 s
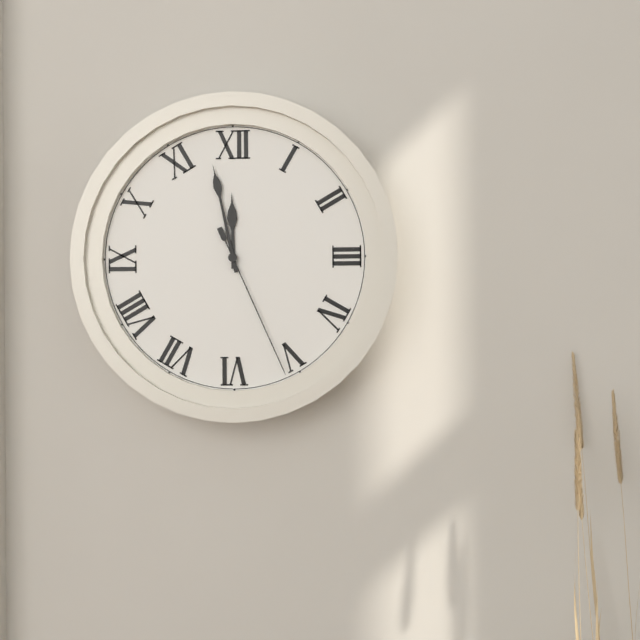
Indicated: 11 h 58 min 26 s
